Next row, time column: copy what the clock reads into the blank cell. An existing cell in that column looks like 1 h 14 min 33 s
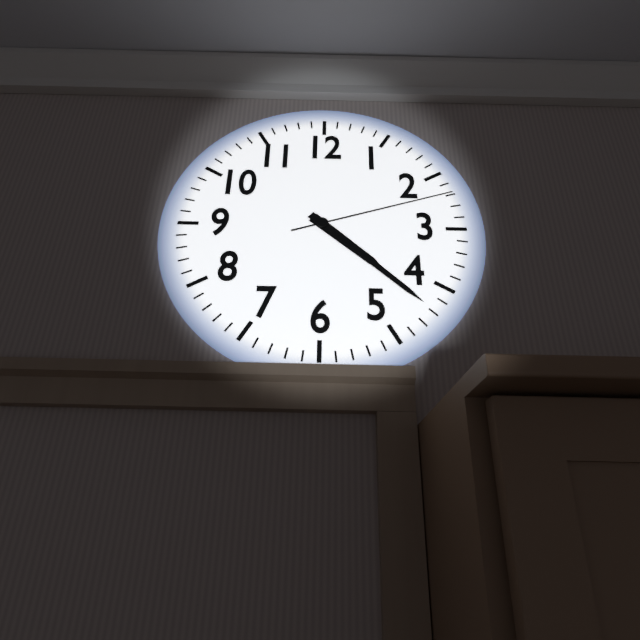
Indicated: 4 h 22 min 12 s
